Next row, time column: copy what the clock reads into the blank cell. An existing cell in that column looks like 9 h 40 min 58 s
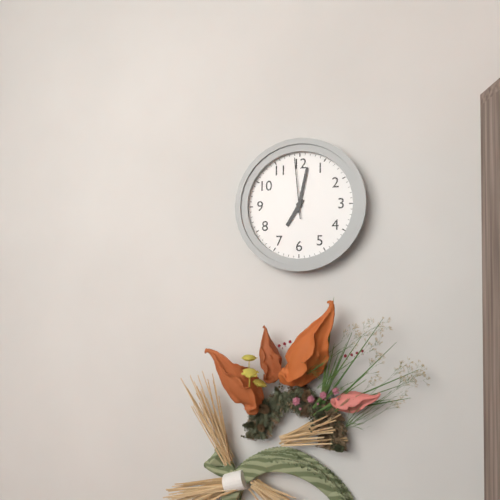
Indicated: 7 h 02 min 59 s
